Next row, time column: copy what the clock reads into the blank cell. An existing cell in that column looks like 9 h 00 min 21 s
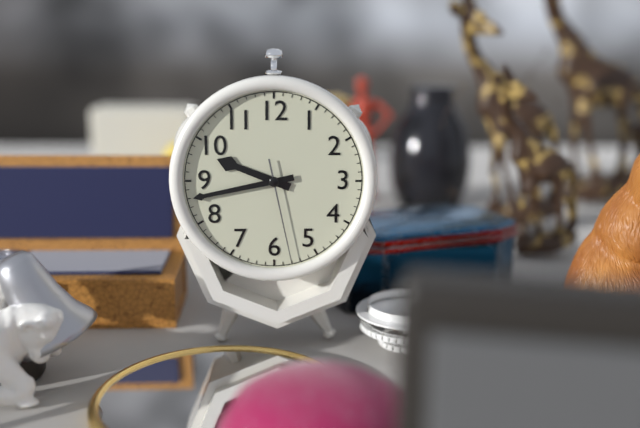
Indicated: 9 h 43 min 28 s
